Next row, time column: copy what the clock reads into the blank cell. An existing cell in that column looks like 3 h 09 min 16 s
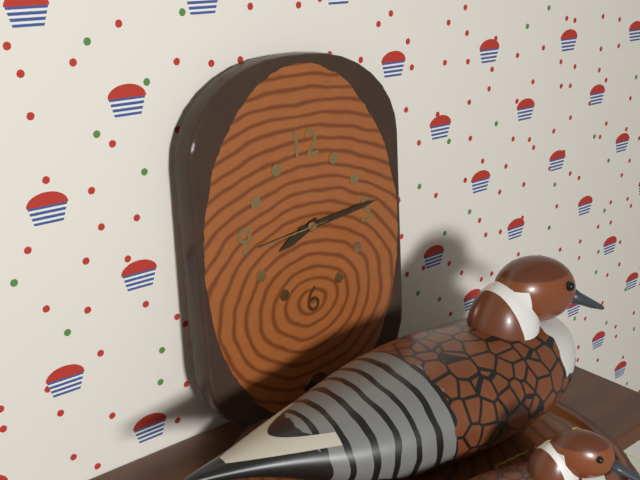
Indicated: 8 h 14 min 44 s
